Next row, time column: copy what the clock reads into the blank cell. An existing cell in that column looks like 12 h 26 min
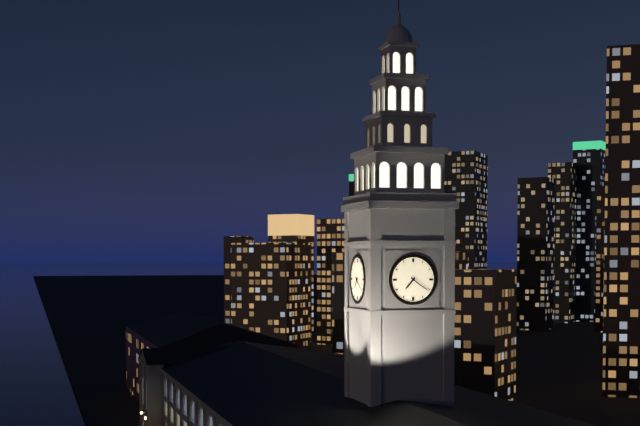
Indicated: 7 h 21 min
